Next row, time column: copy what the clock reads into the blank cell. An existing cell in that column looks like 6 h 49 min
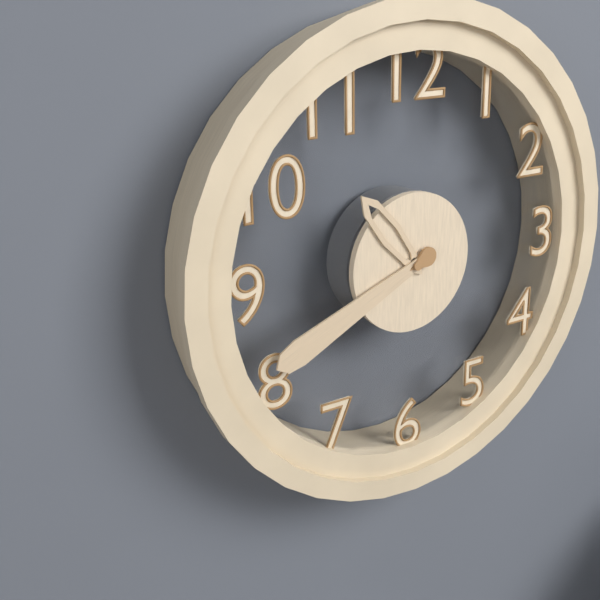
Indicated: 10 h 41 min
